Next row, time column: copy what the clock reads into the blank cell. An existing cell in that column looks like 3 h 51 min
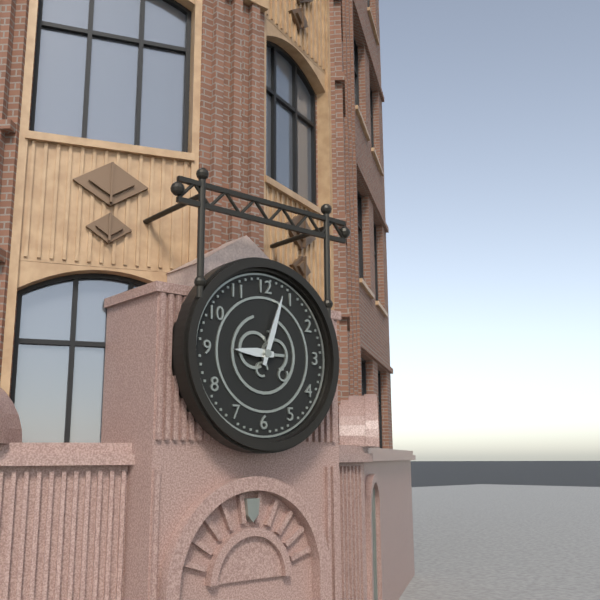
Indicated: 9 h 03 min
